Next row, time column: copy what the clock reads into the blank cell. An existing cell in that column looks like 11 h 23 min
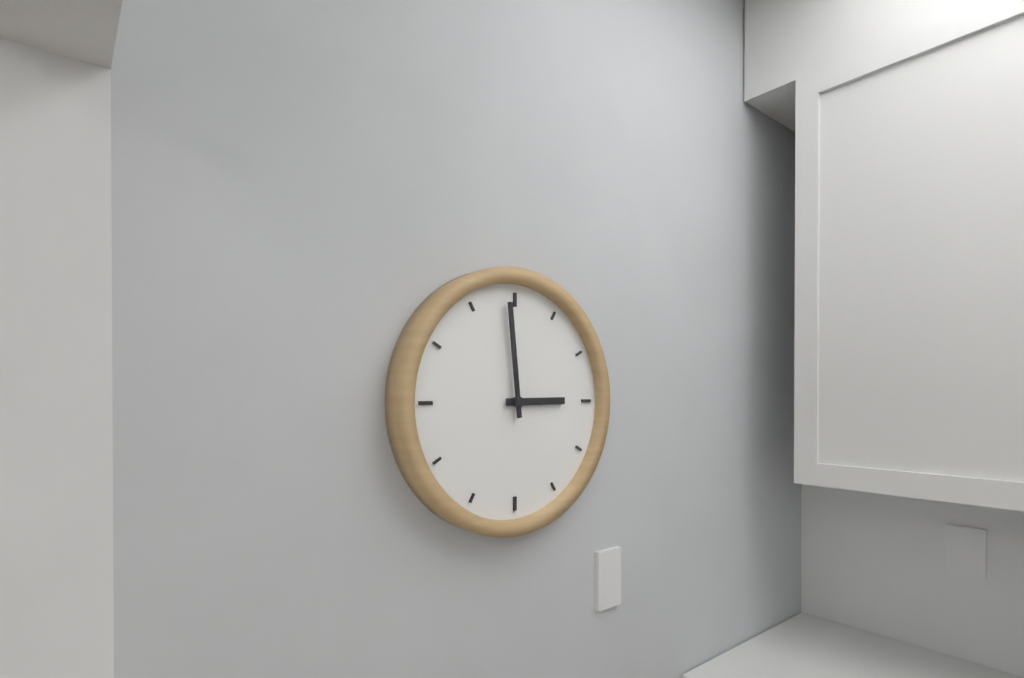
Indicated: 2 h 59 min
